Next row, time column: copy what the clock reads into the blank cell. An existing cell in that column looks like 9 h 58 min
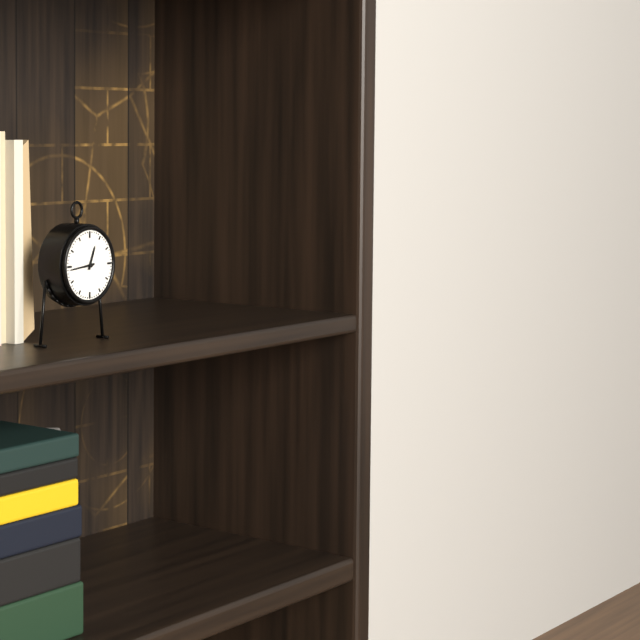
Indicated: 12 h 44 min
